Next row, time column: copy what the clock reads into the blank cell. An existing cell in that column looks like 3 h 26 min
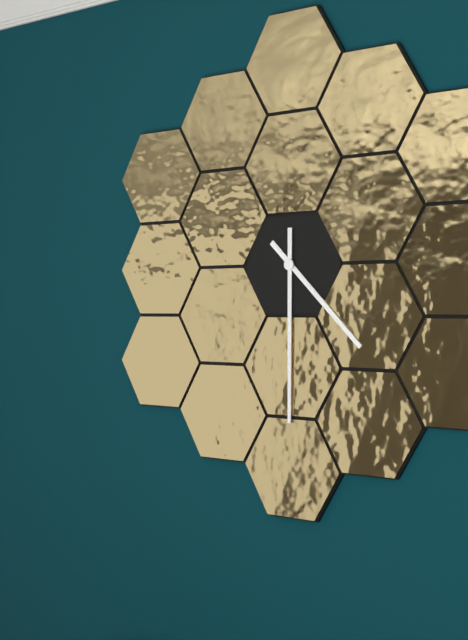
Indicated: 4 h 30 min
